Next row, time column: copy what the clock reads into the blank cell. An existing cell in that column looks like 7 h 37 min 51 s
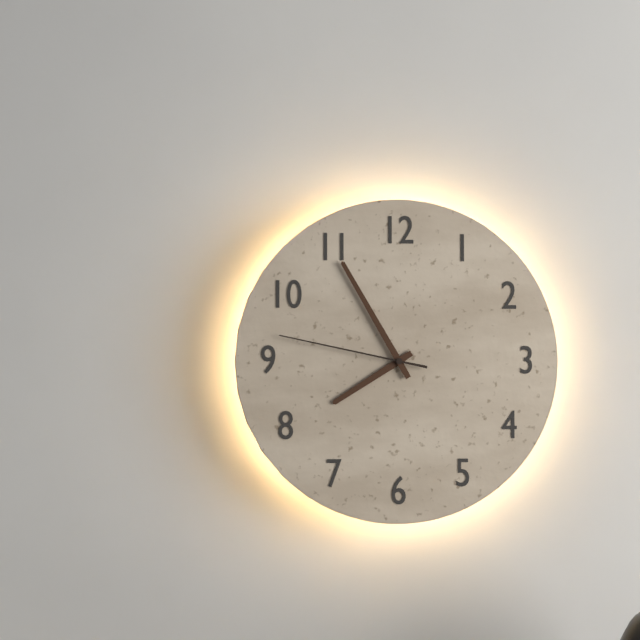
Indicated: 7 h 55 min 47 s
